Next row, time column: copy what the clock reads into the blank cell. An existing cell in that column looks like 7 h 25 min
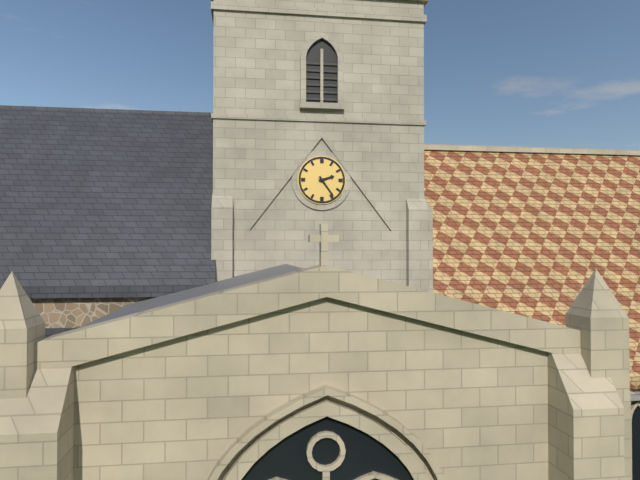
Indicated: 2 h 24 min
